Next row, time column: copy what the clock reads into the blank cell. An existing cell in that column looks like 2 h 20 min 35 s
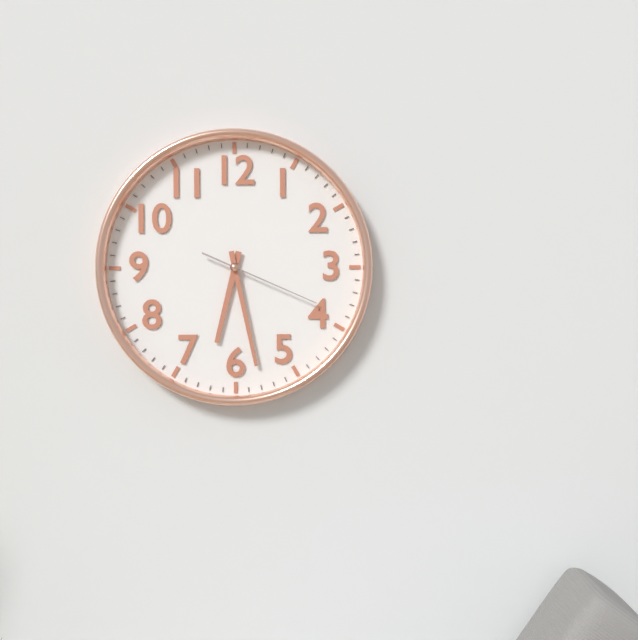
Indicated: 6 h 28 min 19 s
